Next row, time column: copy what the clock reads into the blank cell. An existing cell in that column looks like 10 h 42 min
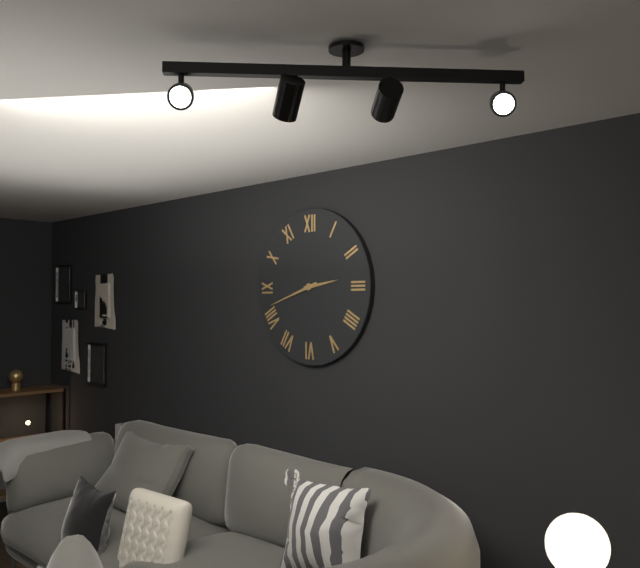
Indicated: 2 h 42 min
